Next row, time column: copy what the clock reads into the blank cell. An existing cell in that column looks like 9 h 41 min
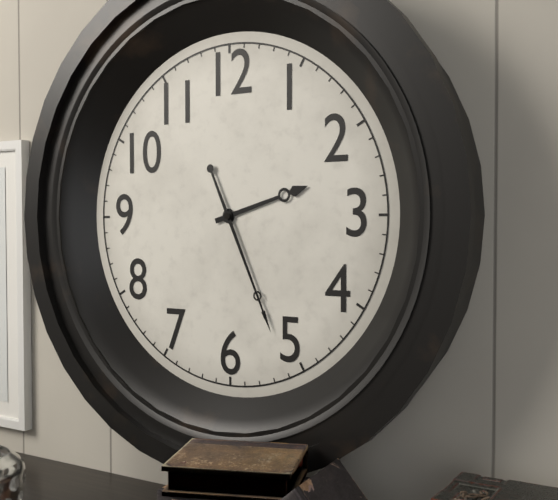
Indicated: 2 h 26 min
